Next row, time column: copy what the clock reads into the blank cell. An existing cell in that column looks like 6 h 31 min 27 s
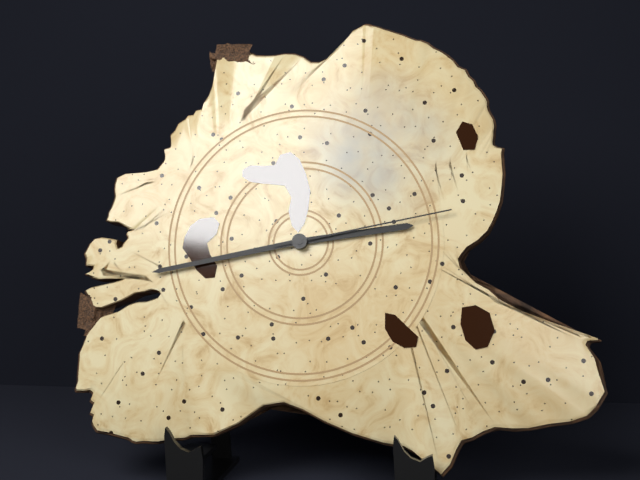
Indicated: 2 h 43 min 13 s
